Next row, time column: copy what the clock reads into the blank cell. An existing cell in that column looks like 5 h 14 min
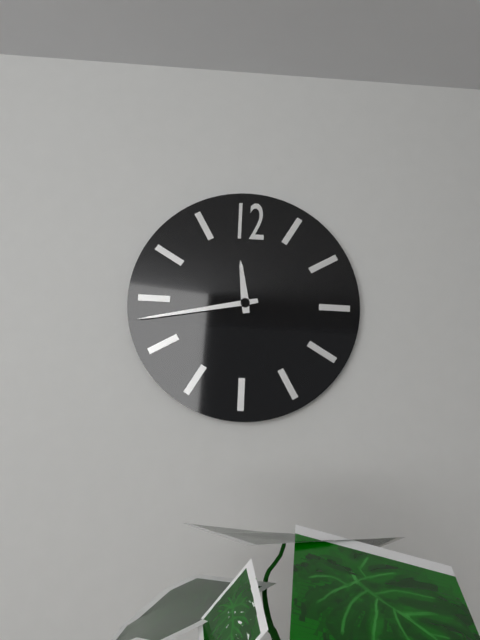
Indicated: 11 h 43 min
